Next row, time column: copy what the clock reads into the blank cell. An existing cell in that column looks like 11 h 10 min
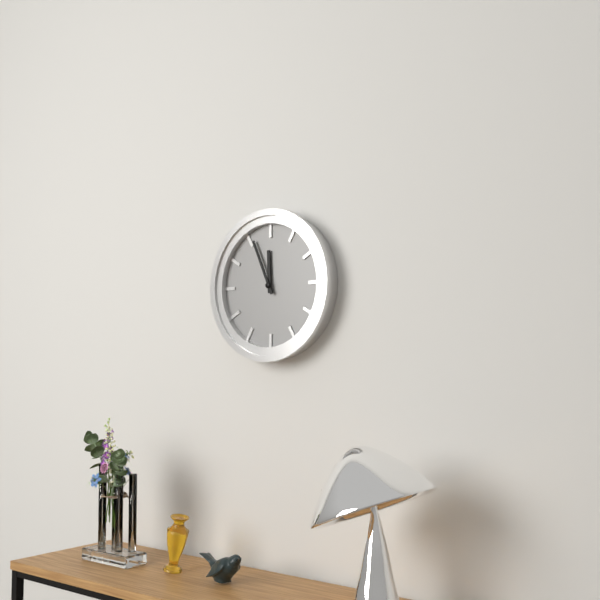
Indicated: 11 h 56 min
